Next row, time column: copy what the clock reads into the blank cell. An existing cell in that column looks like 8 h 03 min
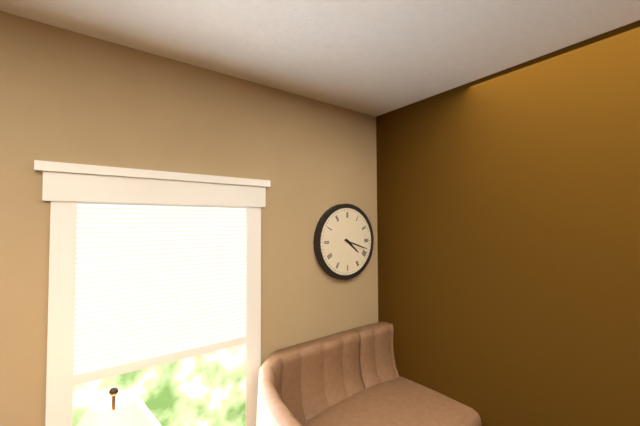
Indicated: 4 h 18 min
